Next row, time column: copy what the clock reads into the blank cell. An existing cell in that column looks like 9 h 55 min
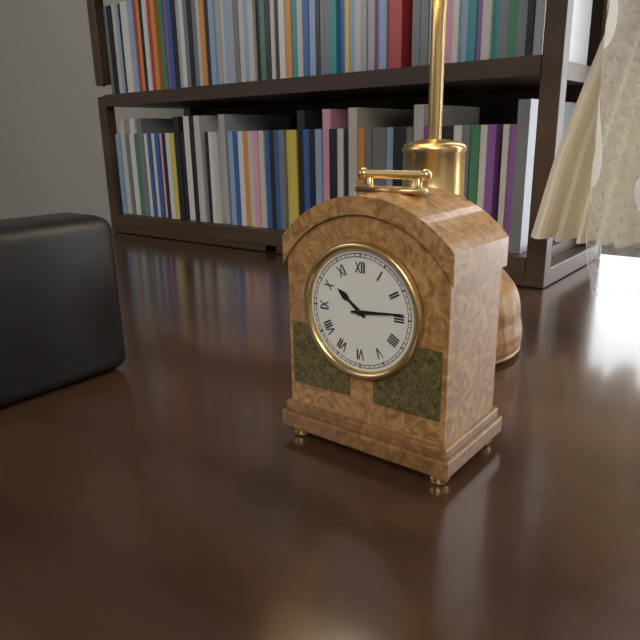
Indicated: 10 h 14 min
